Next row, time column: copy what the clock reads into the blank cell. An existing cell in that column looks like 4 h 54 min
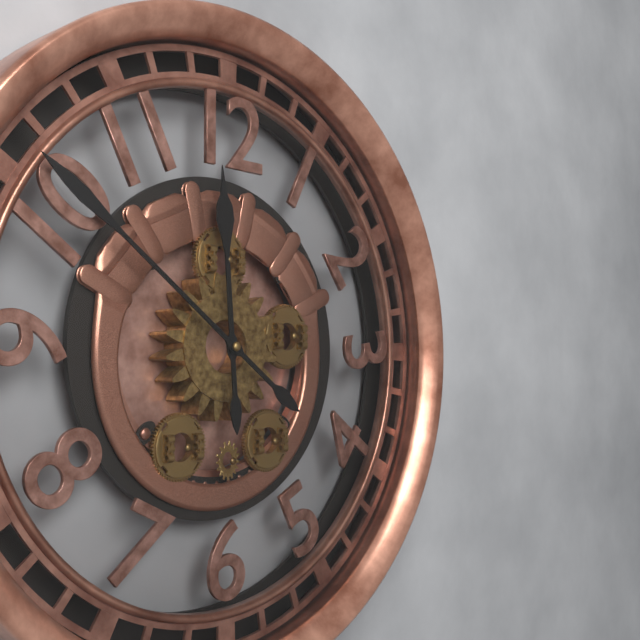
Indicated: 11 h 51 min
